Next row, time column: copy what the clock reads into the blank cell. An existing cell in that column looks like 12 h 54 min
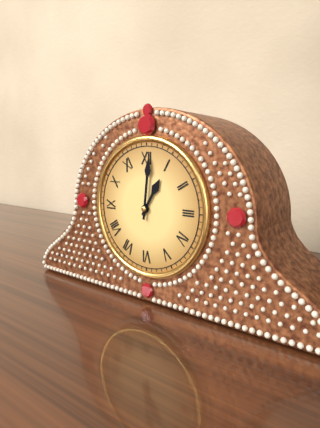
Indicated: 1 h 01 min
